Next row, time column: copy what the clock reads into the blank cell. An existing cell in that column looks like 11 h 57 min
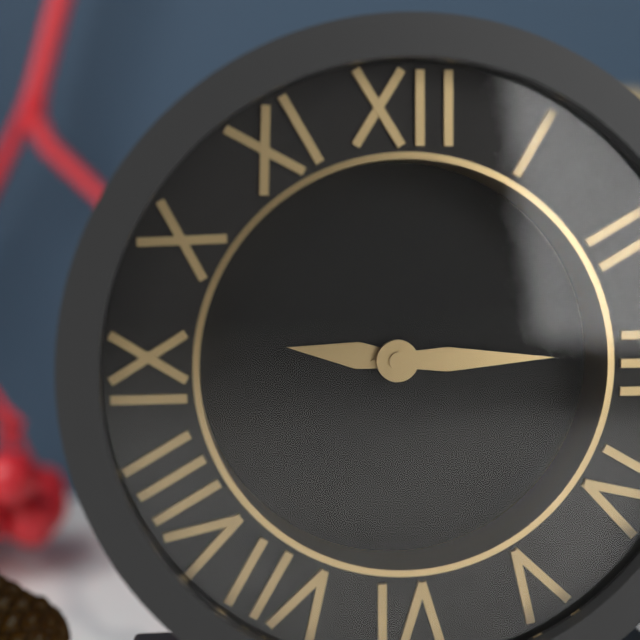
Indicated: 9 h 15 min
